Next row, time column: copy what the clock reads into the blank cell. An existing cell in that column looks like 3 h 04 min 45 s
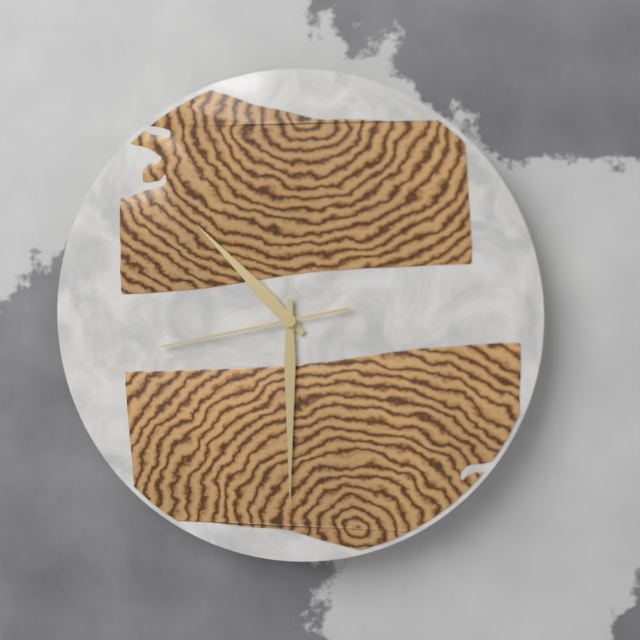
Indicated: 10 h 30 min 43 s
